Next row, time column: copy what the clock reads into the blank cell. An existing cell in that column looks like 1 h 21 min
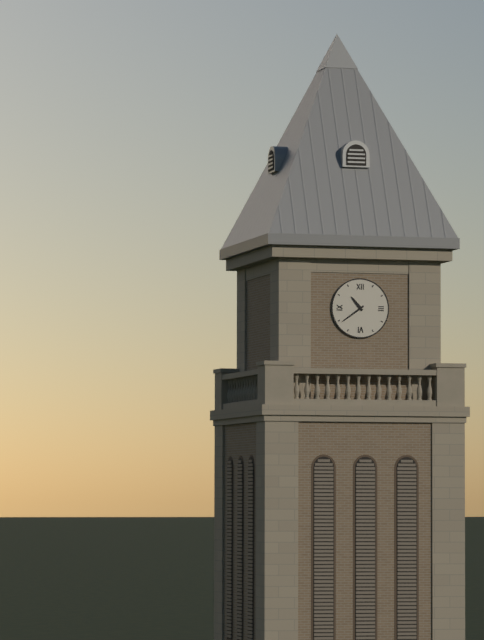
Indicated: 10 h 39 min
